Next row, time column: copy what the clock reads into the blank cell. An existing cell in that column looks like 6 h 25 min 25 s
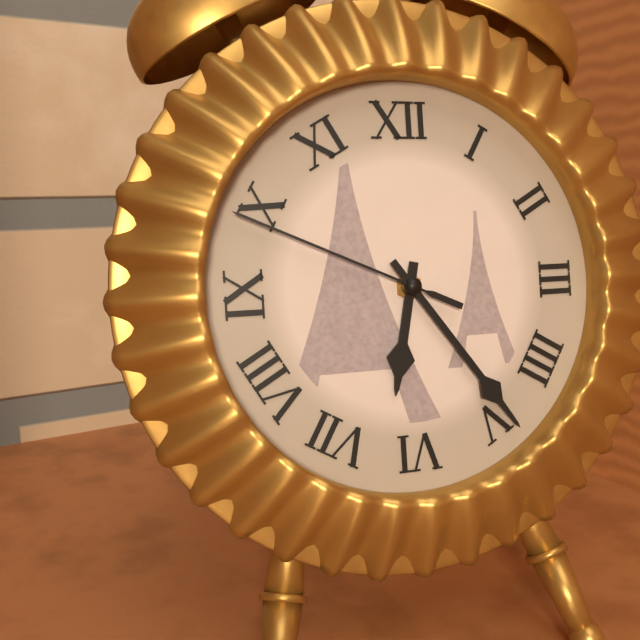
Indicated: 6 h 24 min 49 s
